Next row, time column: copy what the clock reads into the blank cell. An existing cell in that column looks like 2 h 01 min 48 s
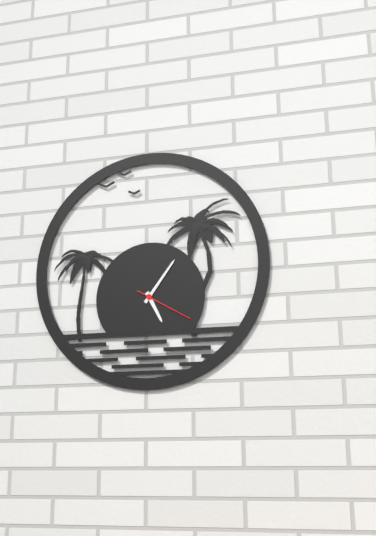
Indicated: 5 h 06 min 20 s
